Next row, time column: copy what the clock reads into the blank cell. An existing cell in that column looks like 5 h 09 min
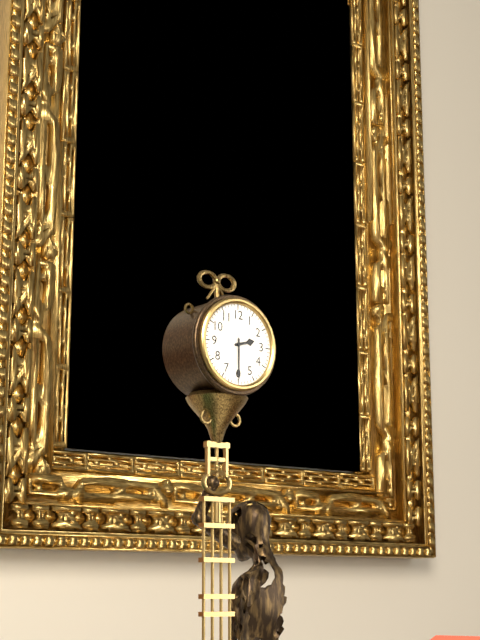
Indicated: 2 h 30 min
